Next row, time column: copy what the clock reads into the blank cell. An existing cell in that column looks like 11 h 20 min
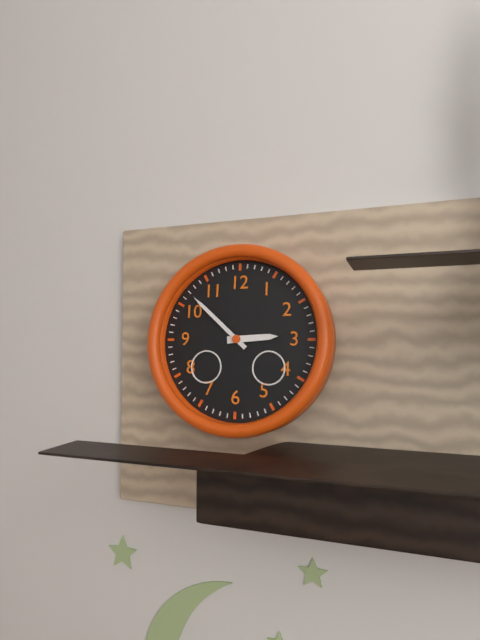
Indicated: 2 h 52 min
